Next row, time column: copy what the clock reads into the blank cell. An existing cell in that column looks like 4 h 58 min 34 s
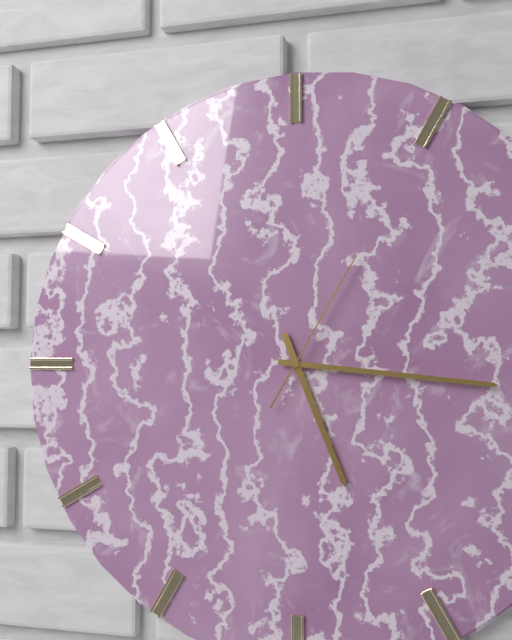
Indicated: 5 h 16 min 05 s
